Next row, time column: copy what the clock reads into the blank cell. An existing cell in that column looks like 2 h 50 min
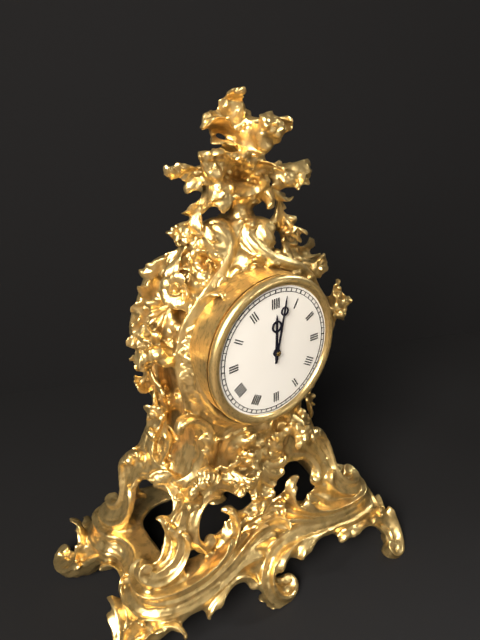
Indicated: 12 h 02 min
